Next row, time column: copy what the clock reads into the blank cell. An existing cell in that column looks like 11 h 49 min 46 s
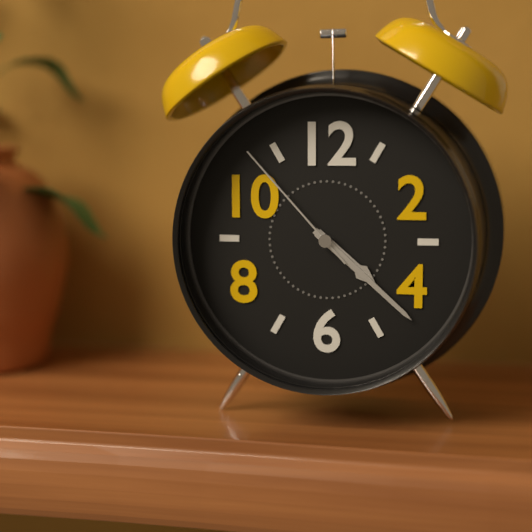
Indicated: 4 h 22 min 53 s
